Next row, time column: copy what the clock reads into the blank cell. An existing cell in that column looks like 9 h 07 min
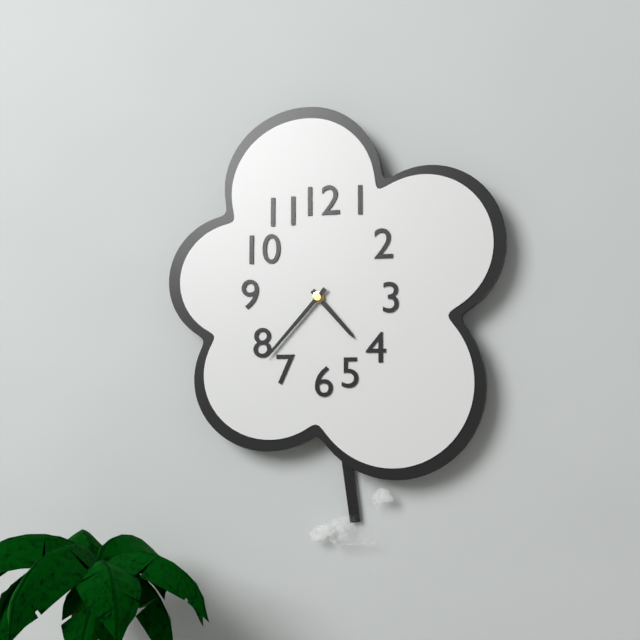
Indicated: 4 h 37 min
